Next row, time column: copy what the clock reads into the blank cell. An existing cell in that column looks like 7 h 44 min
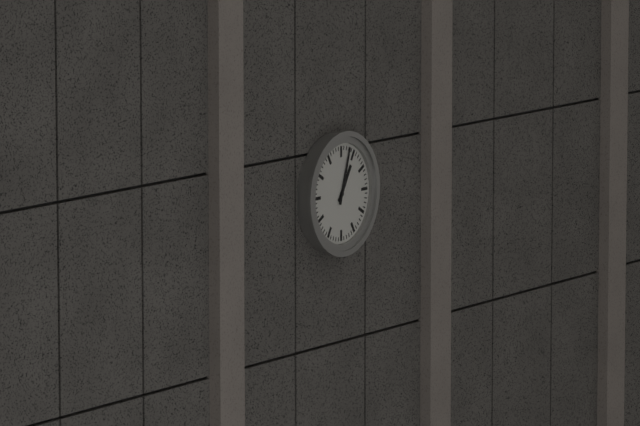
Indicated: 1 h 03 min
